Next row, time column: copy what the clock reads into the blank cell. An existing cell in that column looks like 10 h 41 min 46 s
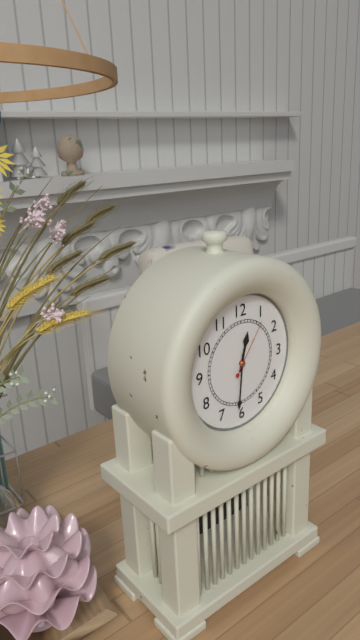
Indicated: 12 h 31 min 06 s
